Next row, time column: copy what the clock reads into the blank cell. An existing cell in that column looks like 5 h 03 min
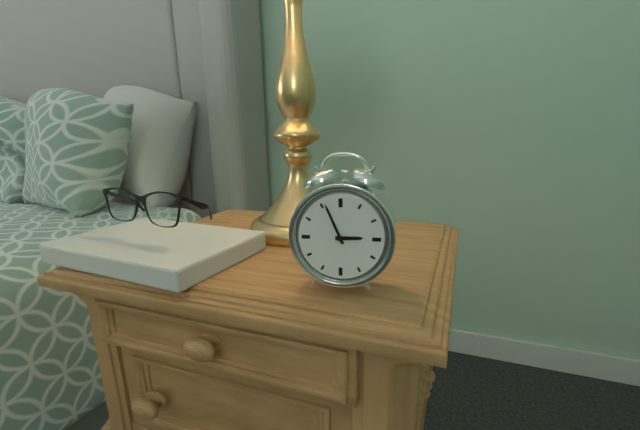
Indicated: 2 h 56 min
